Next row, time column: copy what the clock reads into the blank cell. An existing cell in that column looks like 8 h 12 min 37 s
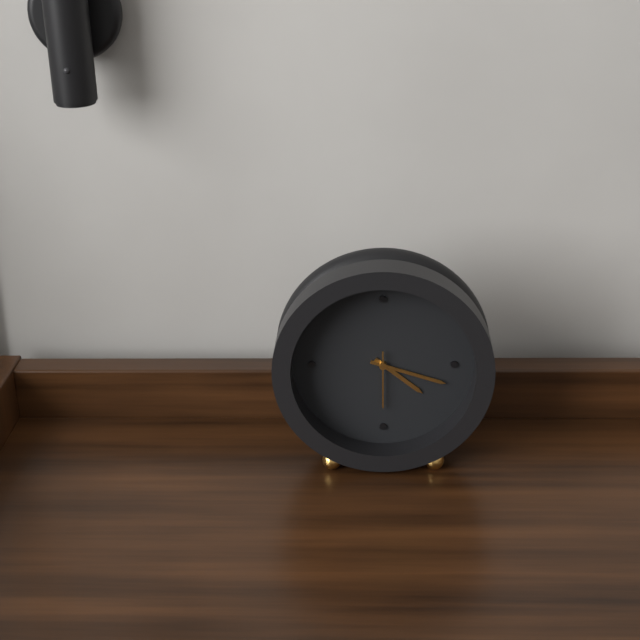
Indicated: 4 h 18 min 30 s
